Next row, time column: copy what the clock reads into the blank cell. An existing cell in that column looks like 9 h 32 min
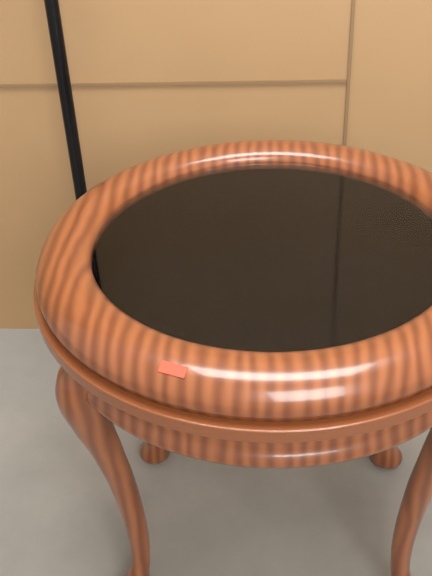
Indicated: 2 h 37 min
